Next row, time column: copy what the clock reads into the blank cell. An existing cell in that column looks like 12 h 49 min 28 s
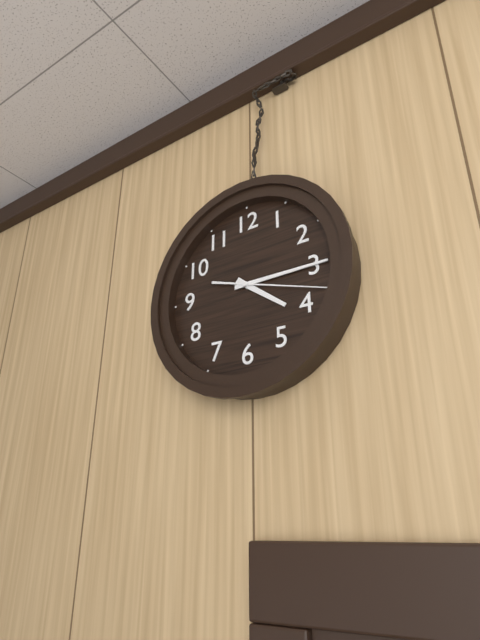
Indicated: 4 h 15 min 18 s
